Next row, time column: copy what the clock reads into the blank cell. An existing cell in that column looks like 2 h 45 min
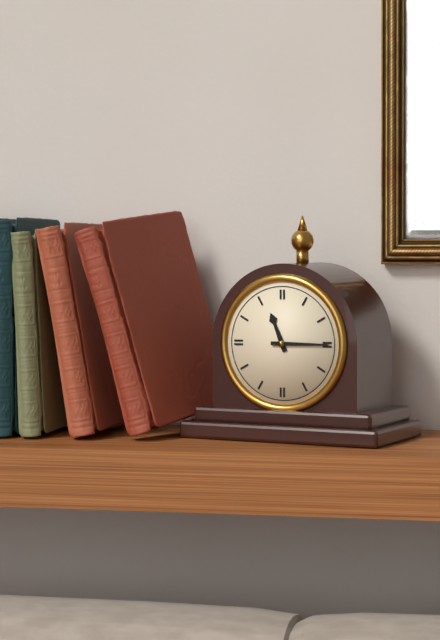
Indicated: 11 h 15 min
